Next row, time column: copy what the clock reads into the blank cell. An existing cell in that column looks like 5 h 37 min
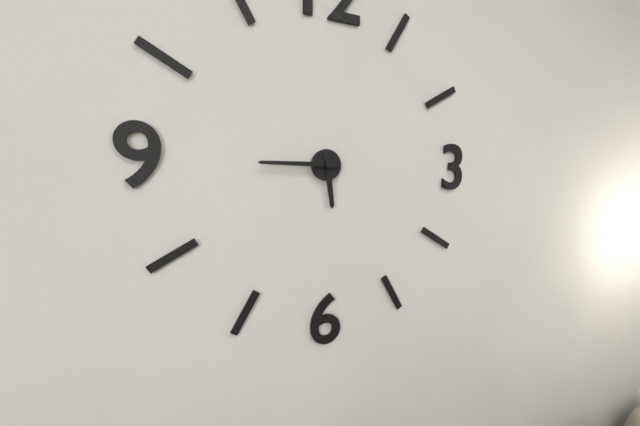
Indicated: 5 h 45 min
